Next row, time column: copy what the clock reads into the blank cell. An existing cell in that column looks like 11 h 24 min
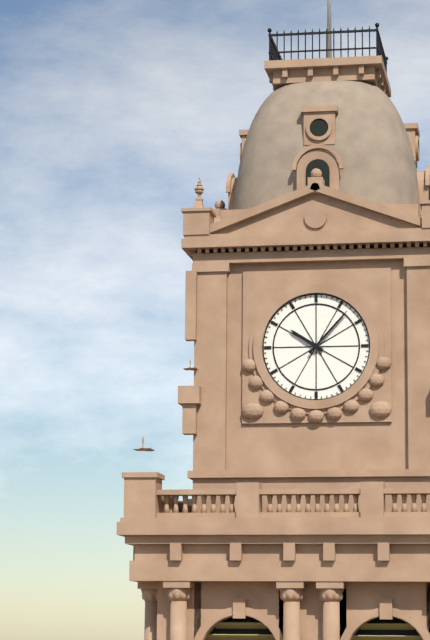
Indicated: 10 h 07 min
